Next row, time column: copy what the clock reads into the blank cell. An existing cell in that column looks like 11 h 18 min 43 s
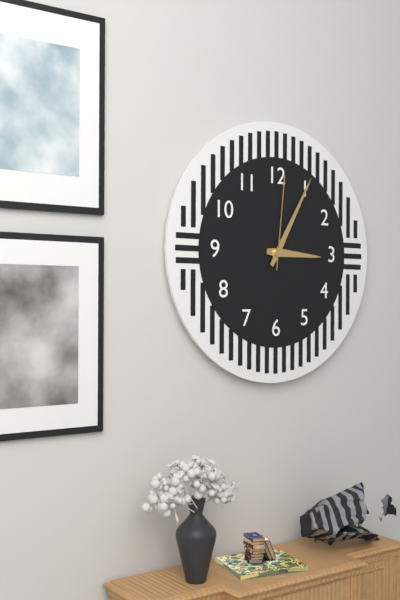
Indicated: 3 h 05 min 01 s
